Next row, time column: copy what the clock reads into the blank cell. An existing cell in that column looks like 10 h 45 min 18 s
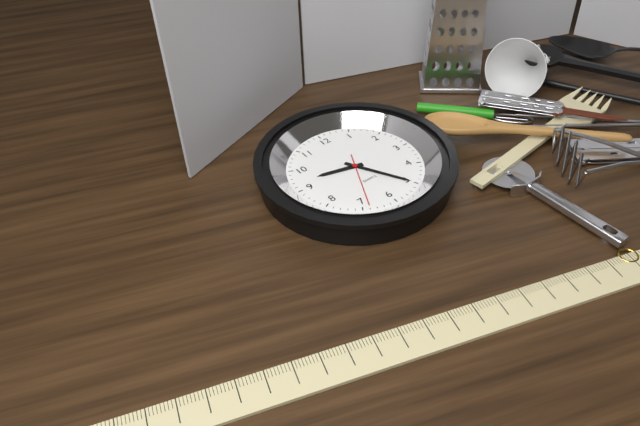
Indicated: 9 h 25 min 34 s
